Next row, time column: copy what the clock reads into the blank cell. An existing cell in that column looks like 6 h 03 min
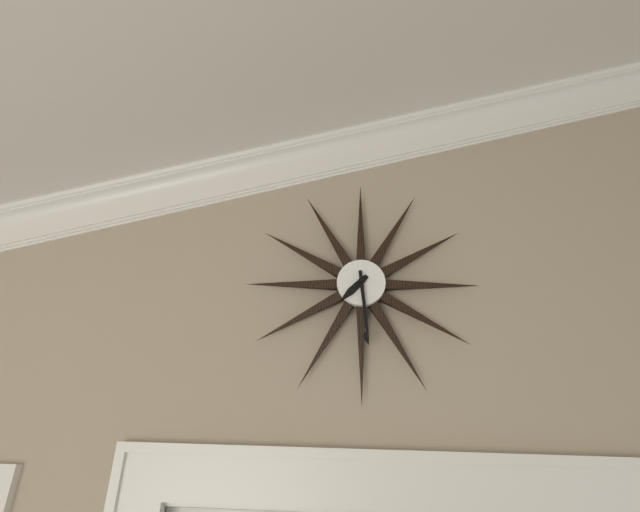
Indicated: 7 h 29 min
